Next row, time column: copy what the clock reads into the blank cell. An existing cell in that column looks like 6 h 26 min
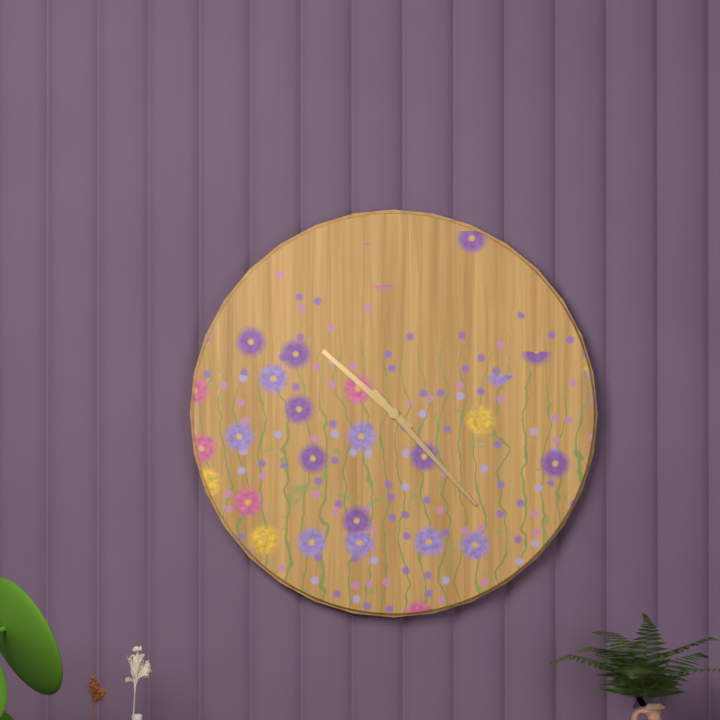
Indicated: 10 h 23 min
